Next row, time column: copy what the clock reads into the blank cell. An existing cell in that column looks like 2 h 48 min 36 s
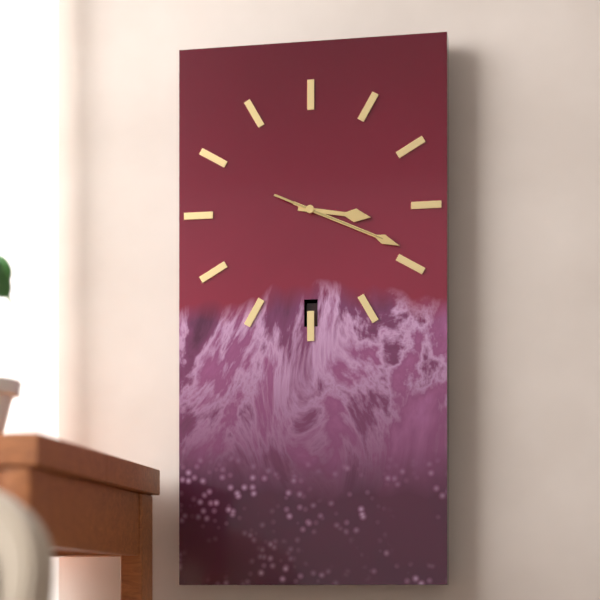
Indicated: 3 h 19 min 19 s
